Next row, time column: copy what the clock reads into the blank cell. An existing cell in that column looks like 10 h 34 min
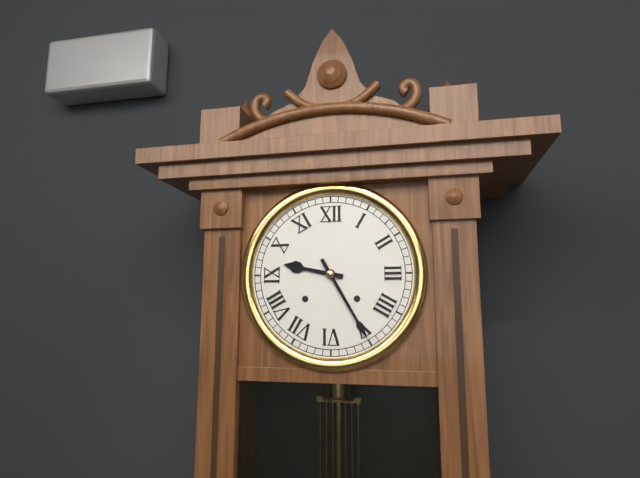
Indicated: 9 h 25 min
